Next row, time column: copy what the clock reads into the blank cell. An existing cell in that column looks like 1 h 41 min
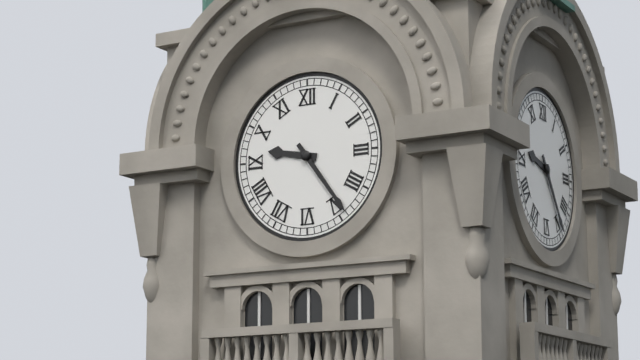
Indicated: 9 h 24 min
